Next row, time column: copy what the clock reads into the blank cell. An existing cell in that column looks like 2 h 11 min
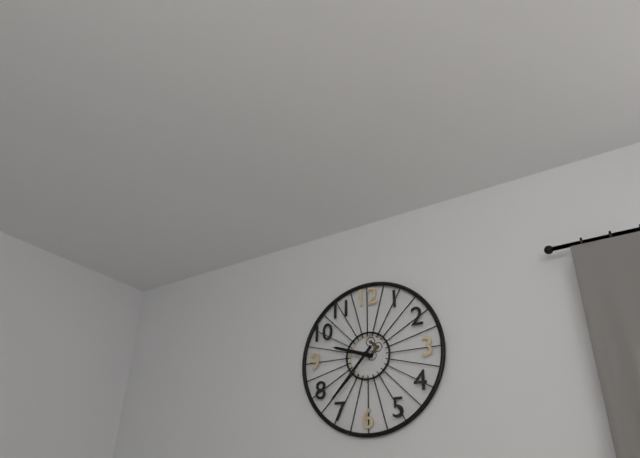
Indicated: 9 h 37 min
